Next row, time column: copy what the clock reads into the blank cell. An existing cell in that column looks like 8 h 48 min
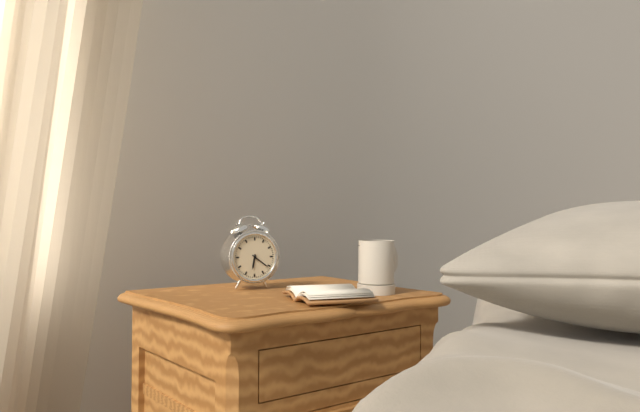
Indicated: 6 h 21 min
